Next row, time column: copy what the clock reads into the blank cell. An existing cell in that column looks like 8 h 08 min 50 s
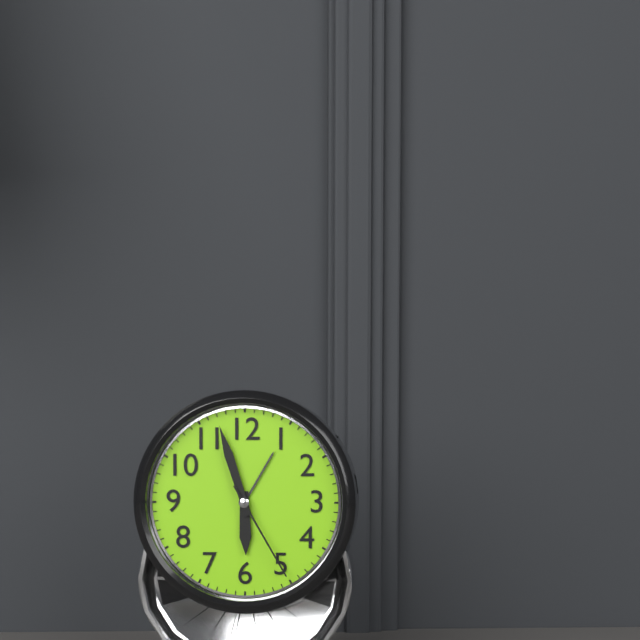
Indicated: 5 h 57 min 25 s
